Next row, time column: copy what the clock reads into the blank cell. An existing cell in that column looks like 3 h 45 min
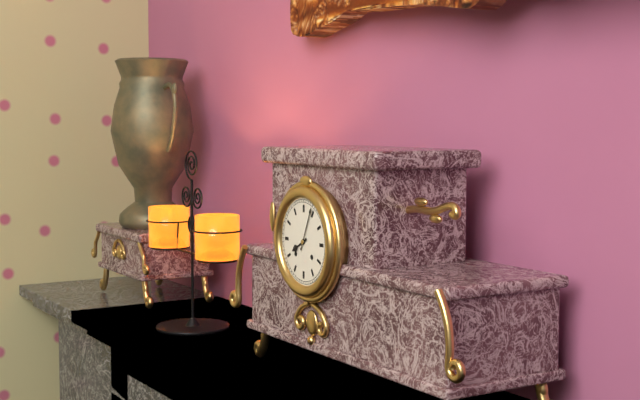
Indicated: 8 h 04 min
